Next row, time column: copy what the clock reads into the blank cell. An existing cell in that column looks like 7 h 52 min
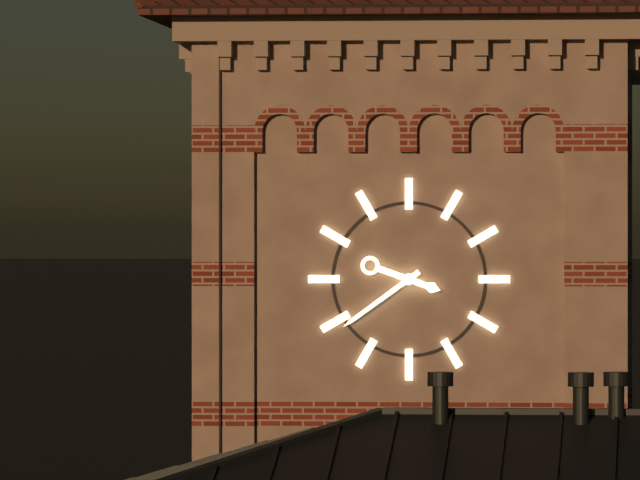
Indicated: 3 h 39 min
